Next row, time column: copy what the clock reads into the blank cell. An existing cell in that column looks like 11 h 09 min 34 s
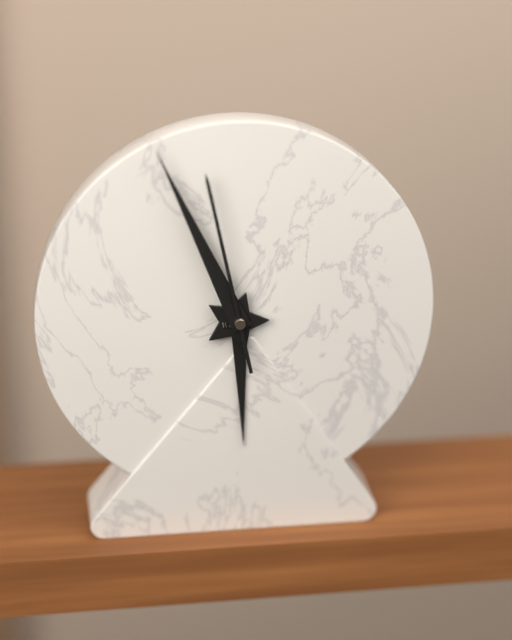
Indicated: 5 h 56 min 58 s
